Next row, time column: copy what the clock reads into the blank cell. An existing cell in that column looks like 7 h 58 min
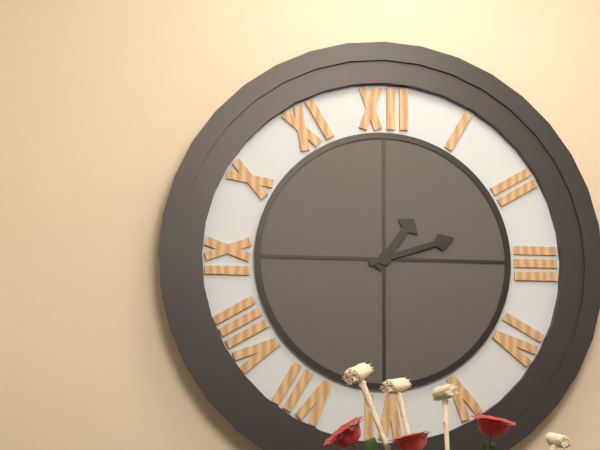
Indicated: 1 h 12 min
